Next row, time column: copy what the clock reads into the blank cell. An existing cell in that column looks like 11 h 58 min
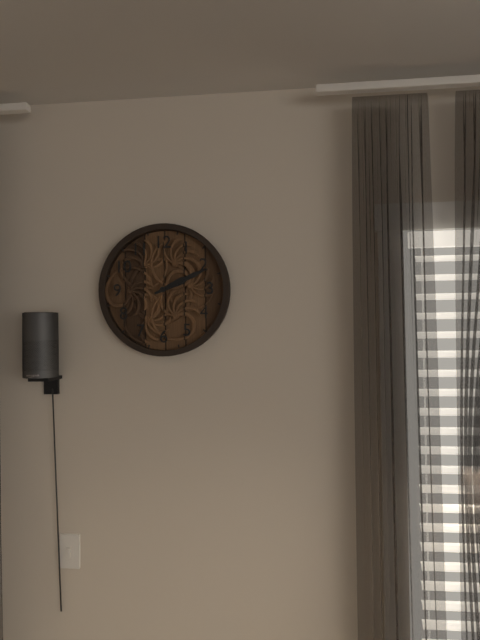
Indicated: 2 h 11 min
